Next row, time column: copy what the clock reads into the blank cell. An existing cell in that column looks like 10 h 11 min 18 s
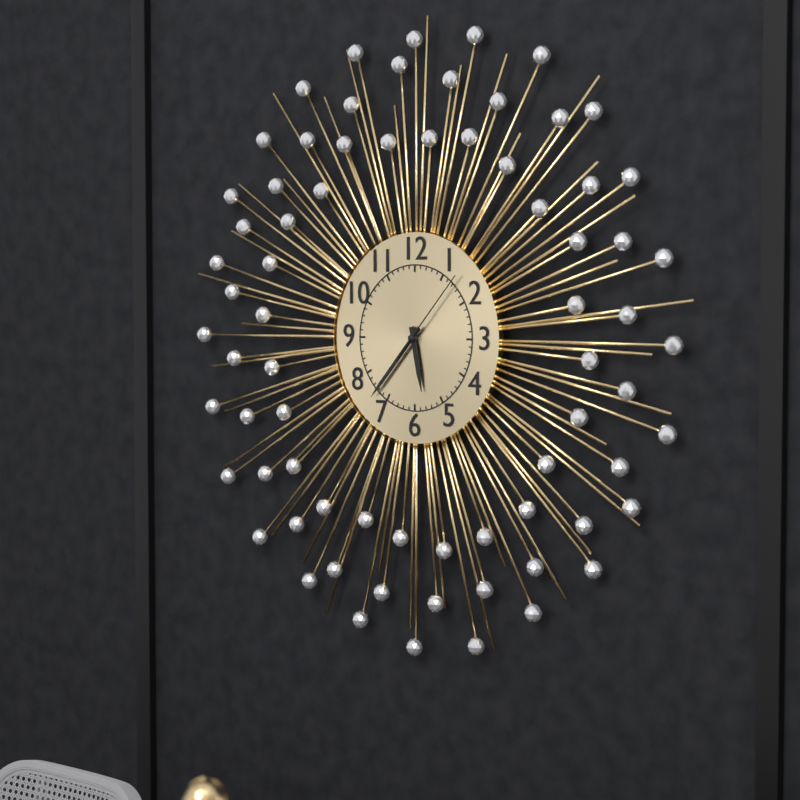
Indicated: 5 h 37 min 07 s
